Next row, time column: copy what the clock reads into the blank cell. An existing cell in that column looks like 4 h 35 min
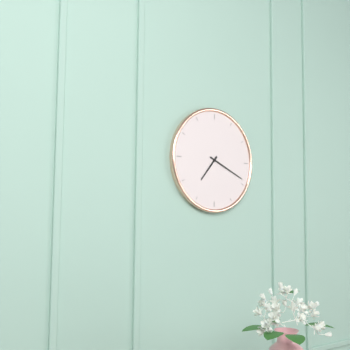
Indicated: 7 h 19 min
